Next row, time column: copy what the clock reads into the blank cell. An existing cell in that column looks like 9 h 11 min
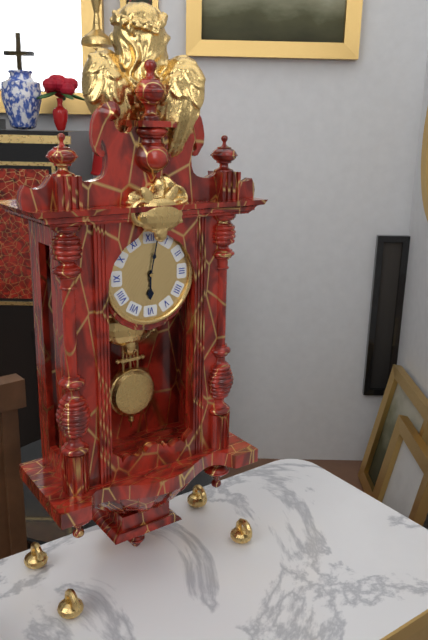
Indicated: 6 h 02 min
